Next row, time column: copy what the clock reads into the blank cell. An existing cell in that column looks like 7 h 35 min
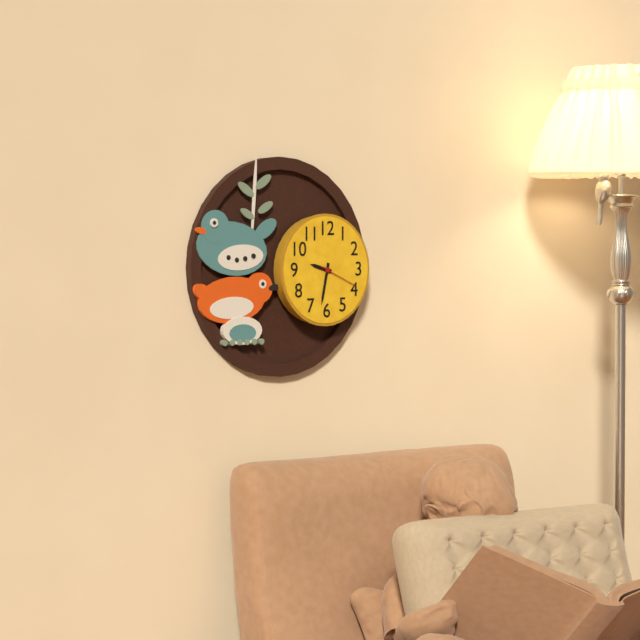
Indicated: 9 h 32 min
